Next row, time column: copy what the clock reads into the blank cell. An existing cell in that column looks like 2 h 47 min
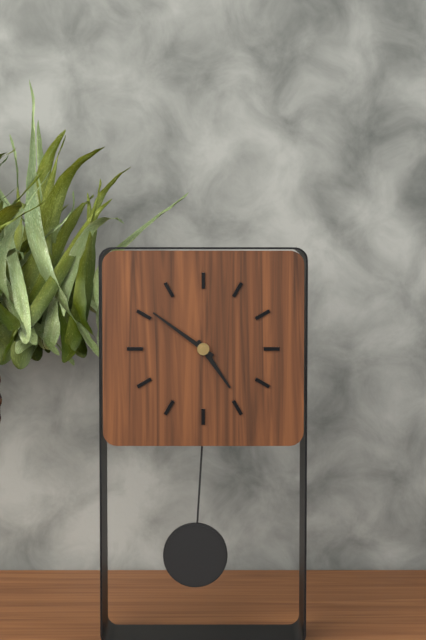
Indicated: 4 h 51 min
